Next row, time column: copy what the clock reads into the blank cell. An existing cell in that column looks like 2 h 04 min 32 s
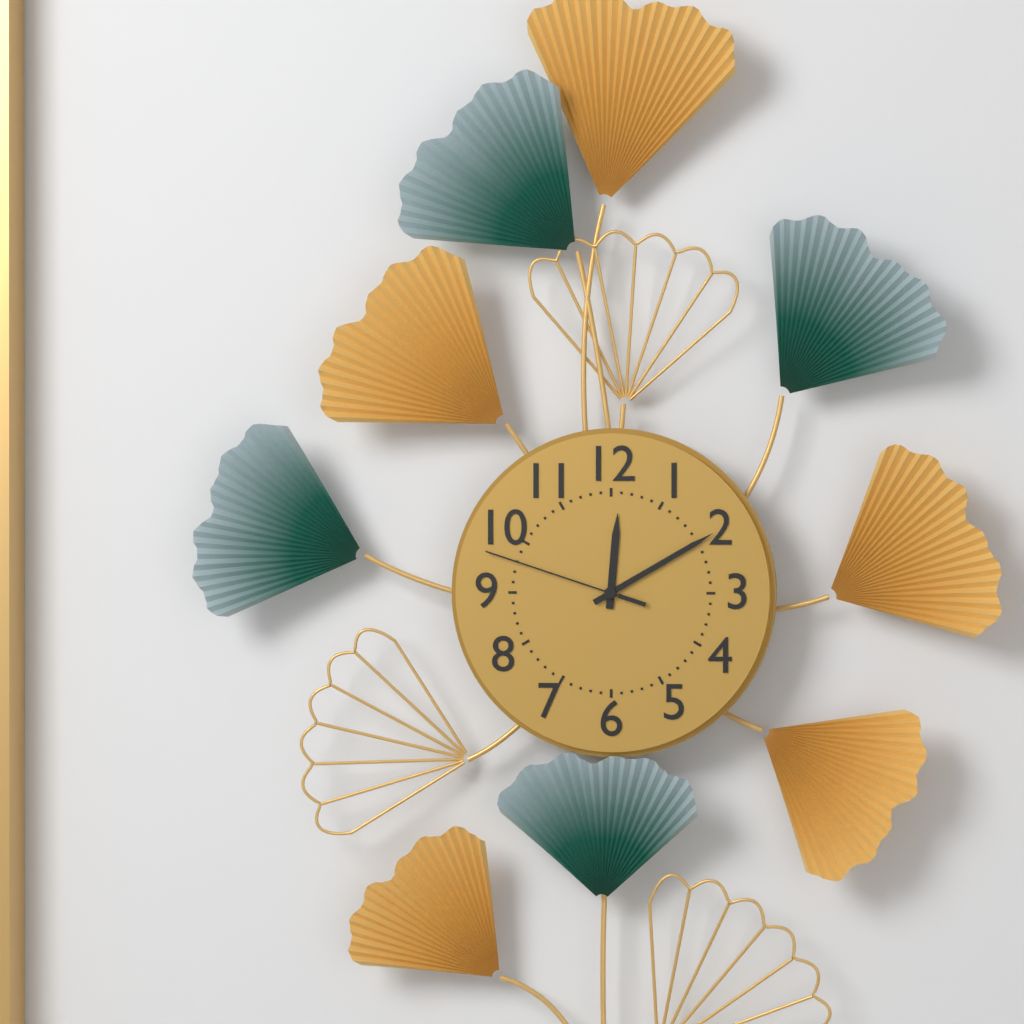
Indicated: 12 h 10 min 48 s
